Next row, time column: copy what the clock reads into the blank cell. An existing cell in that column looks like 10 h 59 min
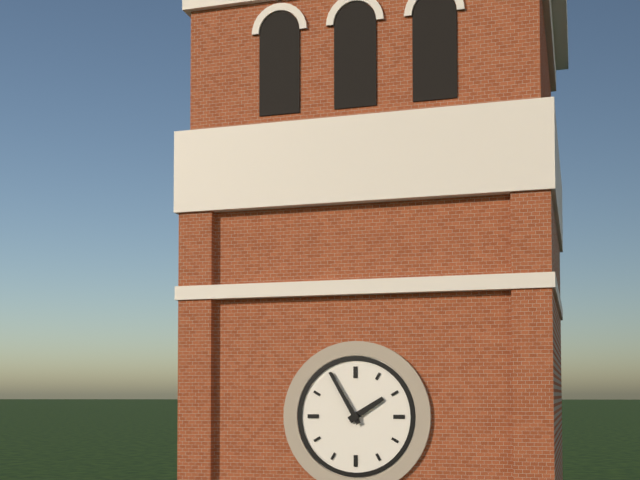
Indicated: 1 h 55 min
